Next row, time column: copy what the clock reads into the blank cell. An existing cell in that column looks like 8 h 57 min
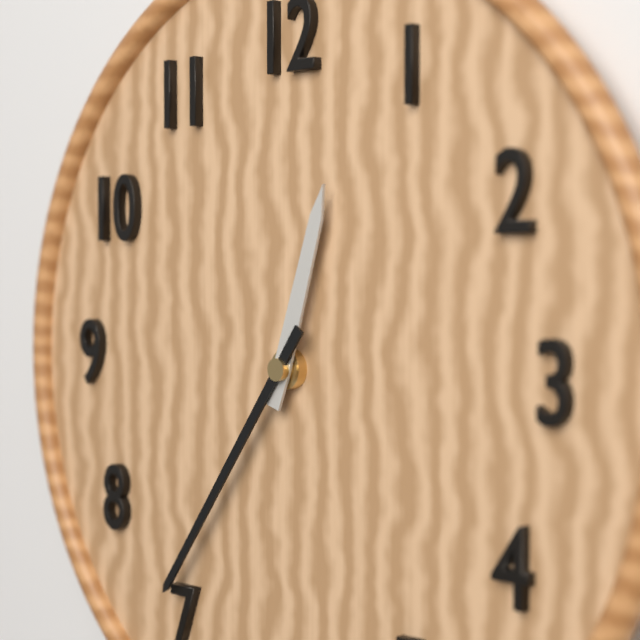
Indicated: 12 h 36 min
